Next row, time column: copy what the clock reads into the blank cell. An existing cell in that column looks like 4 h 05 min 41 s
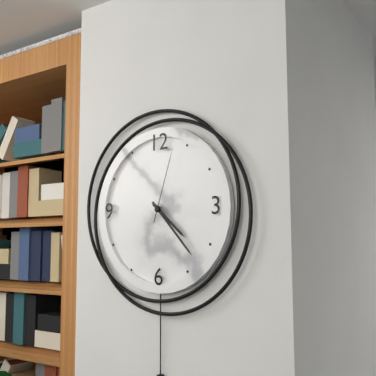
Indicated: 4 h 23 min 03 s
